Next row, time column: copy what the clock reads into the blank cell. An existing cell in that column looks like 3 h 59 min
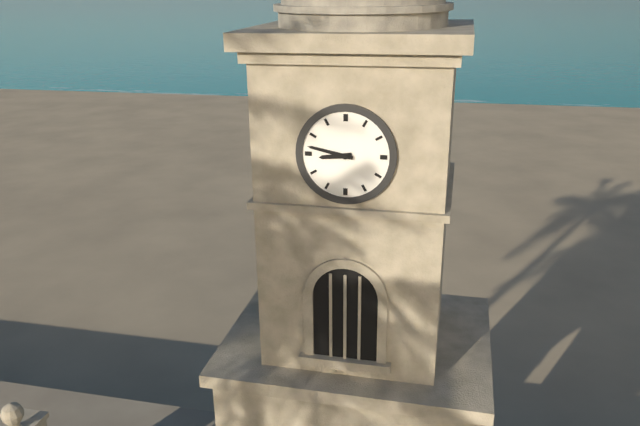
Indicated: 8 h 47 min
